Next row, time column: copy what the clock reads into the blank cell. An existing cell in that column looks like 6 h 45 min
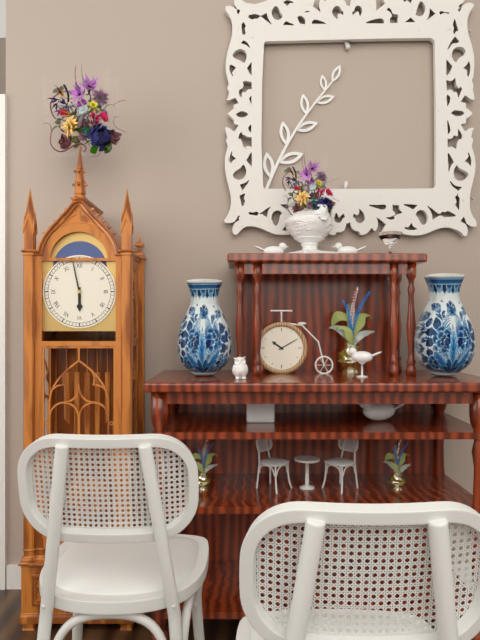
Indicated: 5 h 58 min
